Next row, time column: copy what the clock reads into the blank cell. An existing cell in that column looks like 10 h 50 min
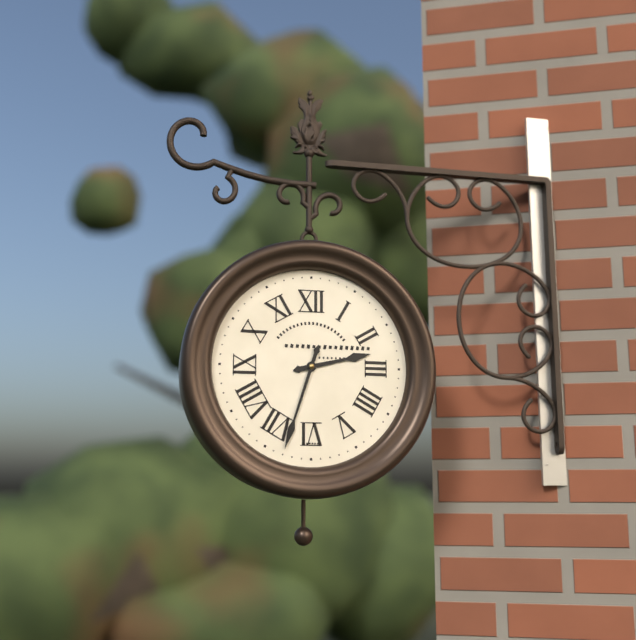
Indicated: 2 h 33 min
